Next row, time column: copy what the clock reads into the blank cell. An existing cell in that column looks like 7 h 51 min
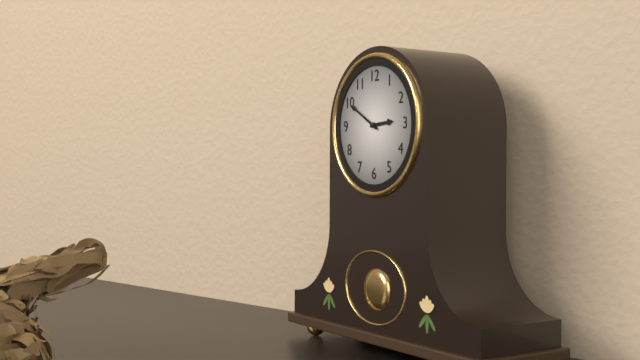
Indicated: 2 h 50 min
